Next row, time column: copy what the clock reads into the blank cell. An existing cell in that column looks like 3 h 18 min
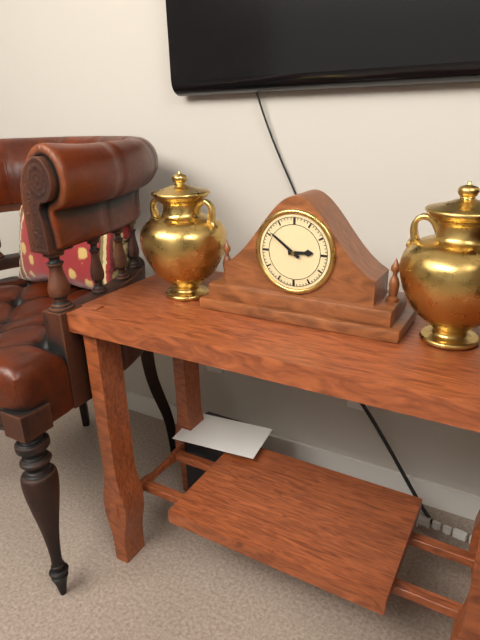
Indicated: 2 h 51 min
